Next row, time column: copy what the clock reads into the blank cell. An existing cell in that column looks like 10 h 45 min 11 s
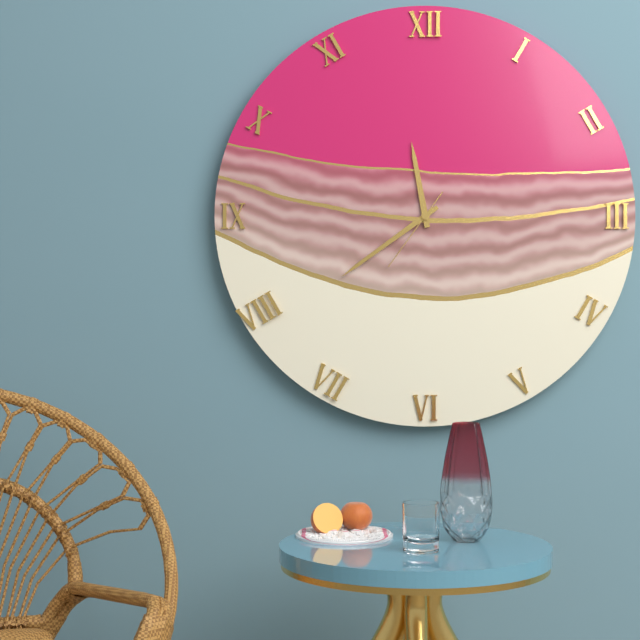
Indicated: 11 h 39 min 36 s
